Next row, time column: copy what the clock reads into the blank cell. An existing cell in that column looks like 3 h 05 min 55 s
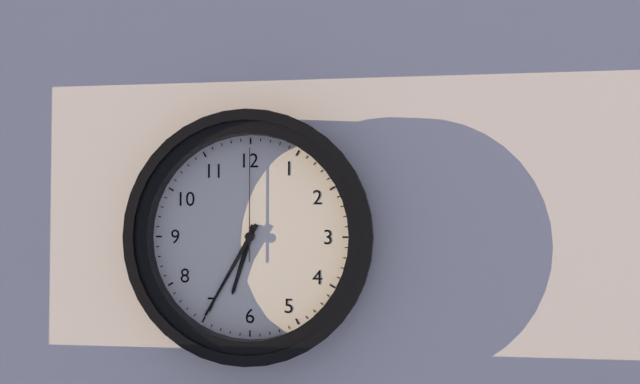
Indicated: 6 h 35 min 00 s
